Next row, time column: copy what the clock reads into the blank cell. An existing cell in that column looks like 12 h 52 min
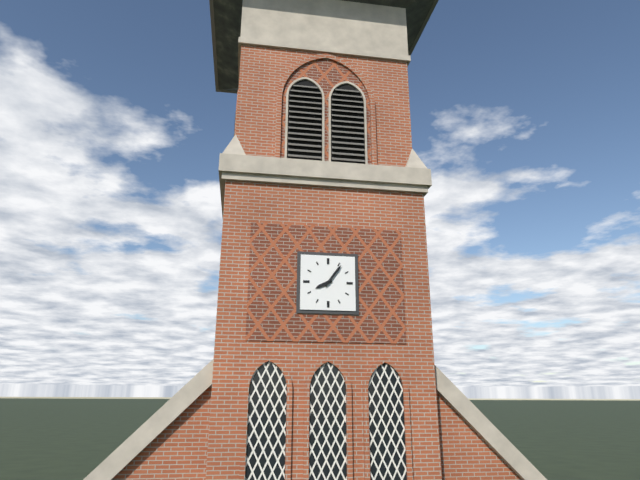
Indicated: 8 h 06 min
